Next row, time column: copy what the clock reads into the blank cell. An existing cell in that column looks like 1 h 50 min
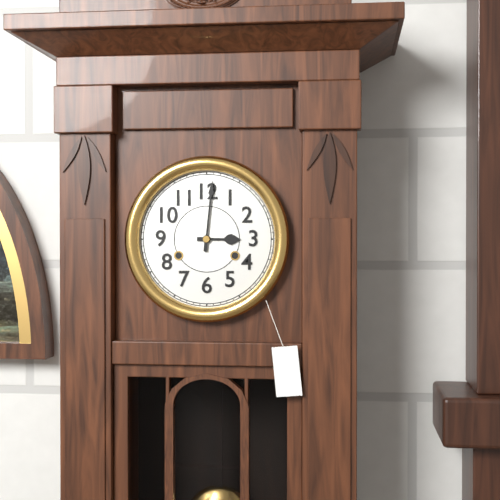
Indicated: 3 h 01 min
